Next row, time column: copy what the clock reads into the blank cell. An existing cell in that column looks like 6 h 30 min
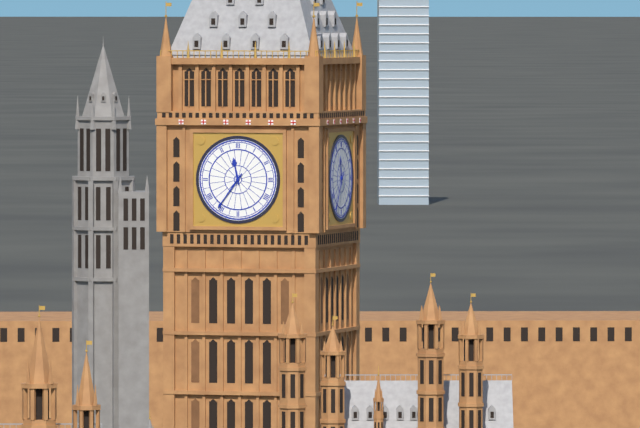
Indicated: 11 h 36 min
